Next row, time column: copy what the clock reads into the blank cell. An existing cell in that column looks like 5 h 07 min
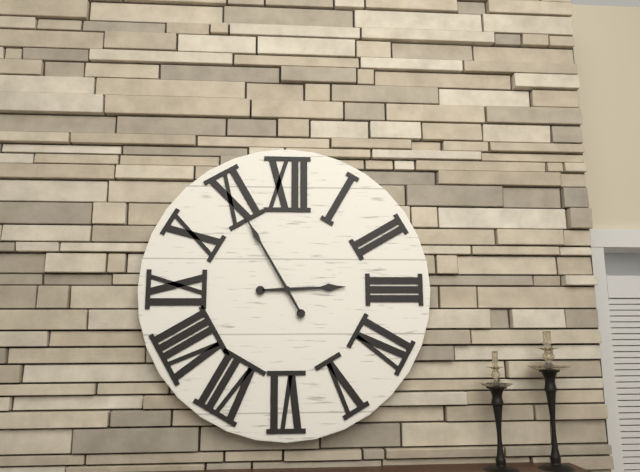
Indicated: 2 h 55 min
